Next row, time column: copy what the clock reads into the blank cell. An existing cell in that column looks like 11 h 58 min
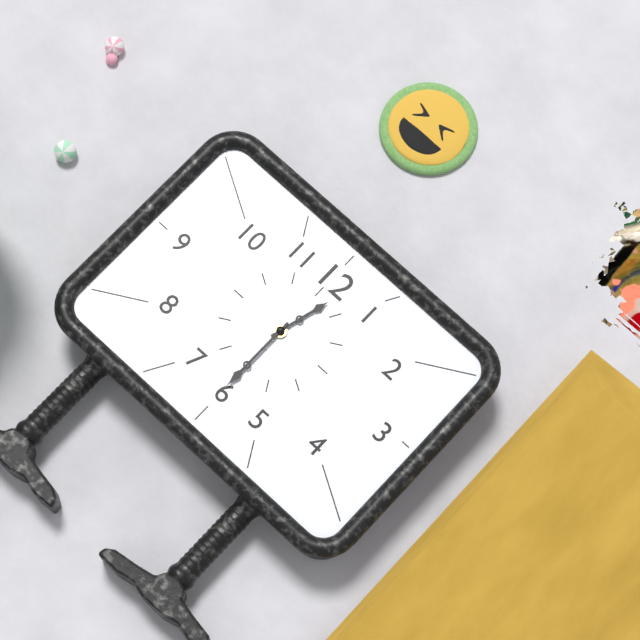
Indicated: 12 h 30 min
